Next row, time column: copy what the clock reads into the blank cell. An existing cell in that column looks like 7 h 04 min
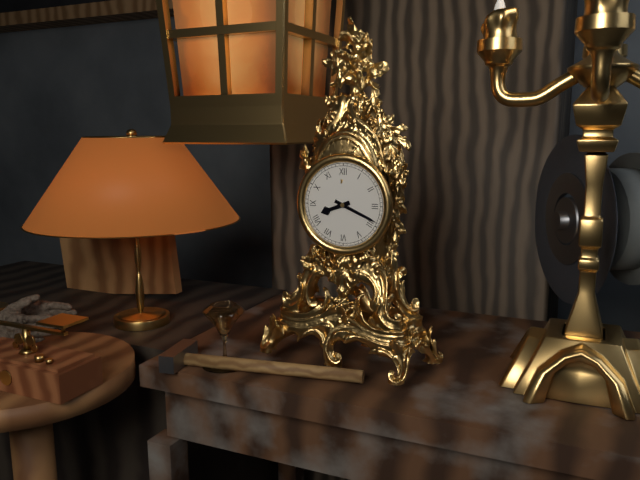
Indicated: 8 h 19 min
